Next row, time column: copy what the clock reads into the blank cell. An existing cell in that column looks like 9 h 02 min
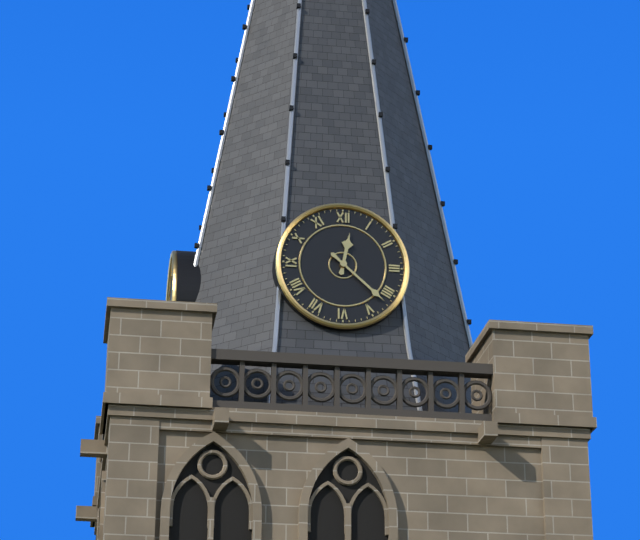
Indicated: 12 h 22 min
